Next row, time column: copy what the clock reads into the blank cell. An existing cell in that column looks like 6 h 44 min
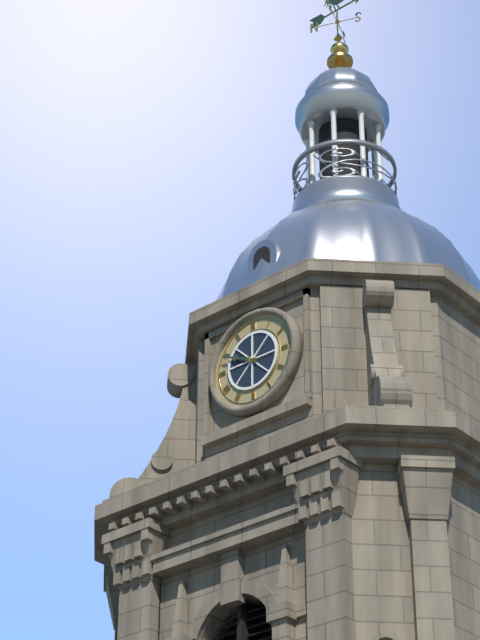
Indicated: 9 h 49 min
